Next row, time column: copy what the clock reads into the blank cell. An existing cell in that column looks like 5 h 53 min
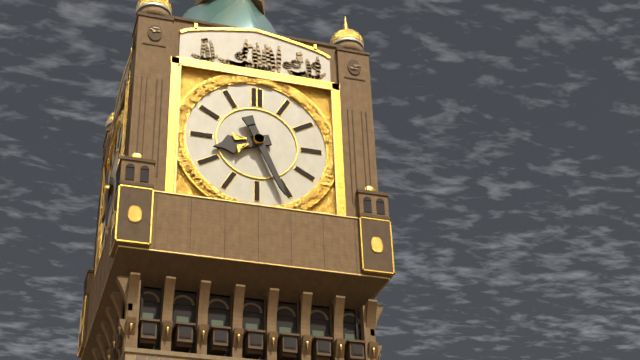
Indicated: 8 h 26 min
